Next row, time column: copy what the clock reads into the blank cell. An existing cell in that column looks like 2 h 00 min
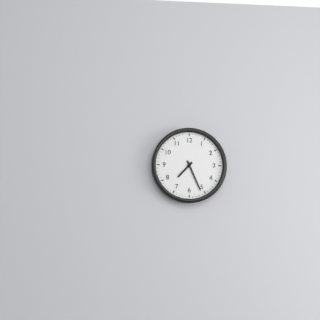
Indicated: 7 h 26 min
